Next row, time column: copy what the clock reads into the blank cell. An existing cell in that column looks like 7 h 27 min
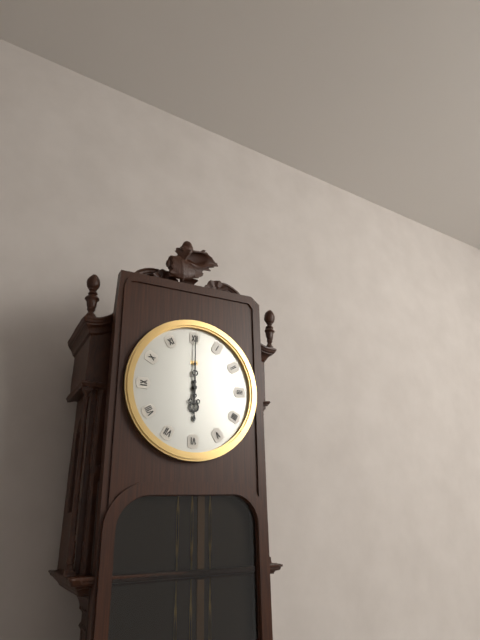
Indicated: 6 h 00 min
